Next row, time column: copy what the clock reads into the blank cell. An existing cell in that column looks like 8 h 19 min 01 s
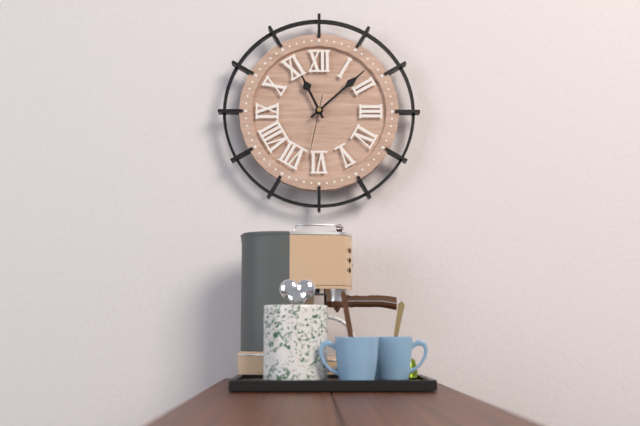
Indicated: 11 h 08 min 32 s
